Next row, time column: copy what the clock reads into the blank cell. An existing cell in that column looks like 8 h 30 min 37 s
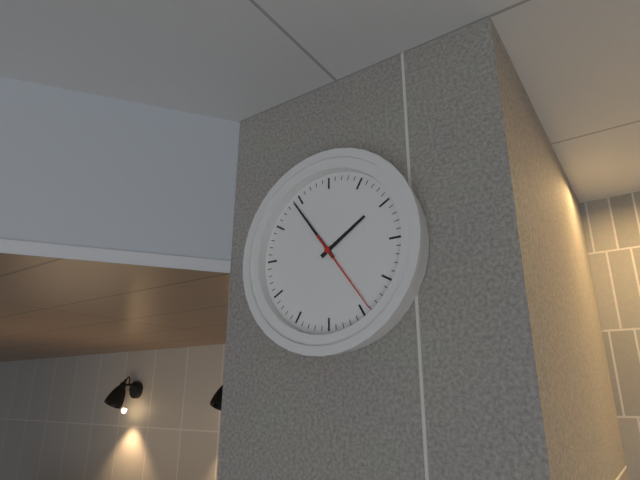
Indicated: 1 h 54 min 24 s
